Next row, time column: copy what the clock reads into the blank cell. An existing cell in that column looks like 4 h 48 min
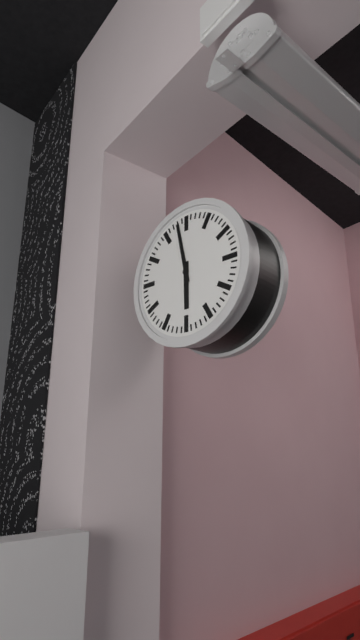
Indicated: 5 h 58 min
